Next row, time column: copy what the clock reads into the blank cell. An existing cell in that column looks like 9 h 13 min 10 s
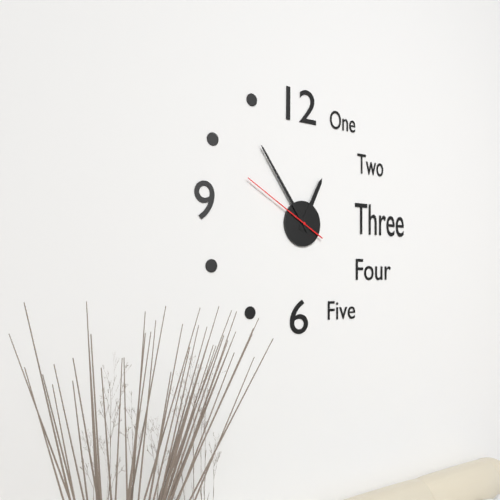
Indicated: 12 h 54 min 50 s
